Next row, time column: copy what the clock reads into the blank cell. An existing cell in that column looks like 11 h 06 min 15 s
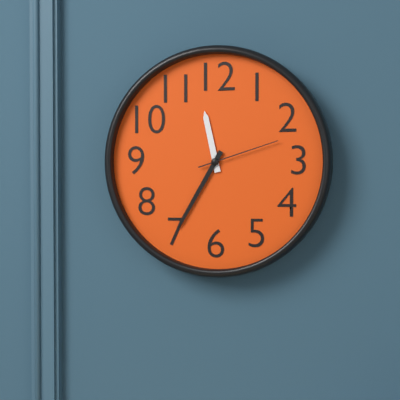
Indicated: 11 h 35 min 12 s
